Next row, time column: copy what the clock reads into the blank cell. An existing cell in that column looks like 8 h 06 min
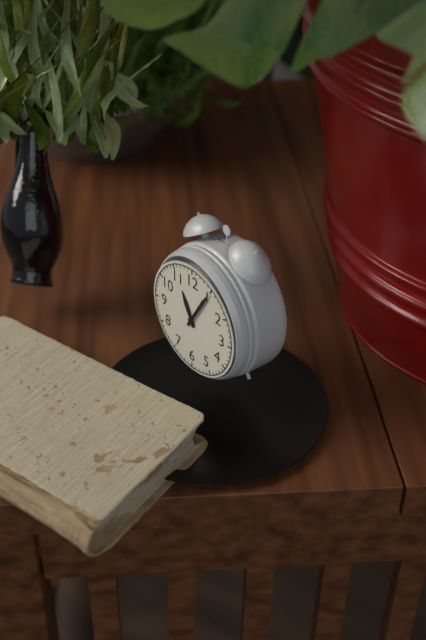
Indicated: 11 h 05 min
